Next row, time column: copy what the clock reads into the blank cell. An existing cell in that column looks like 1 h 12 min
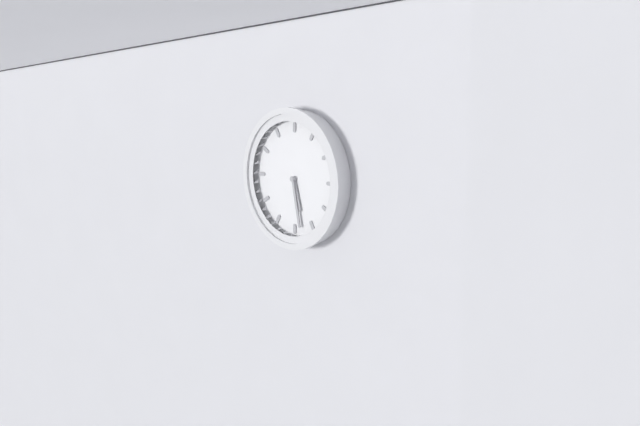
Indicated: 5 h 28 min
